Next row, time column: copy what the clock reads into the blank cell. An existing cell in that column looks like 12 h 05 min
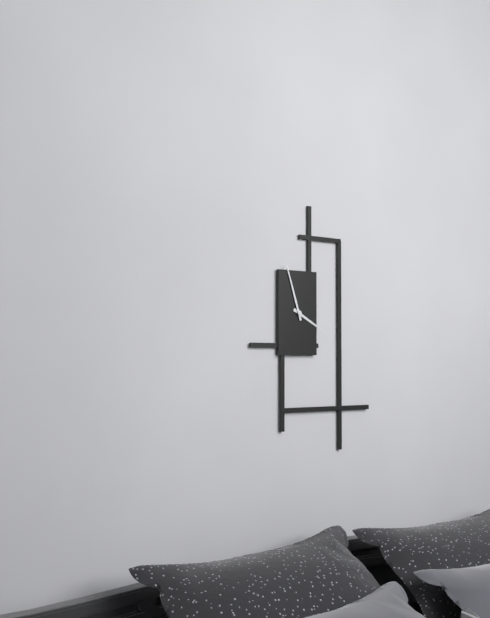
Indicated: 3 h 57 min
